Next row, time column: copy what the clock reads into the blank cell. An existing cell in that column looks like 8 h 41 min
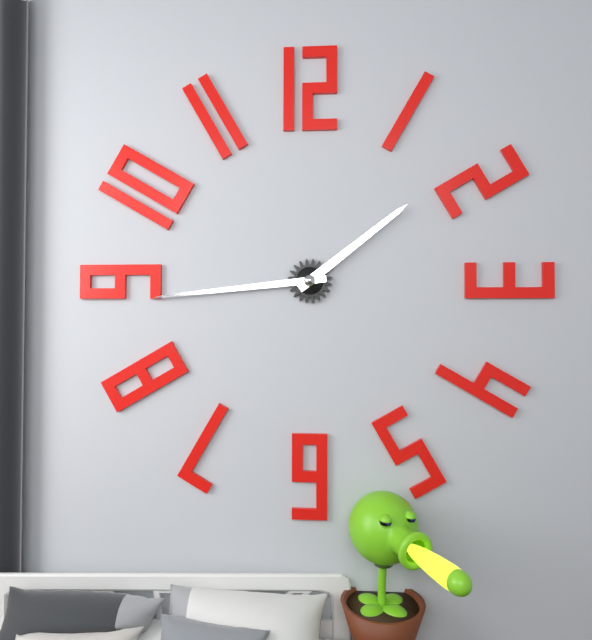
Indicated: 1 h 44 min
